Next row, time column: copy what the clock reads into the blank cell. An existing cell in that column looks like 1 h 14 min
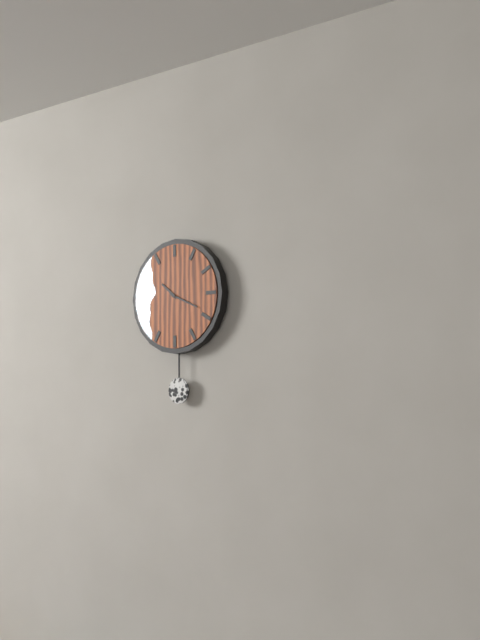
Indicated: 10 h 19 min
